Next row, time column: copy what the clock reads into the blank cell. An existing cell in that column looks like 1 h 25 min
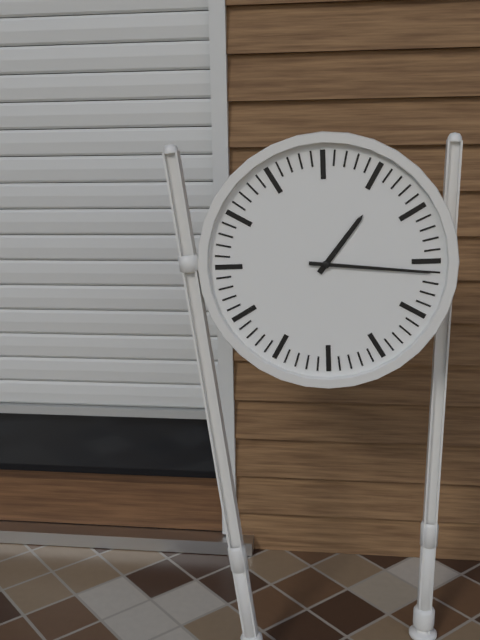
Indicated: 1 h 16 min
